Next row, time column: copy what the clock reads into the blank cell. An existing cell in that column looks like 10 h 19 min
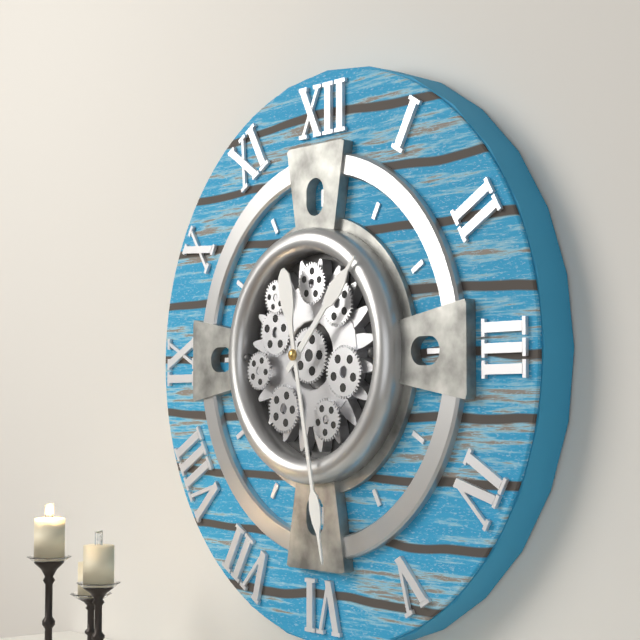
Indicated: 1 h 28 min
